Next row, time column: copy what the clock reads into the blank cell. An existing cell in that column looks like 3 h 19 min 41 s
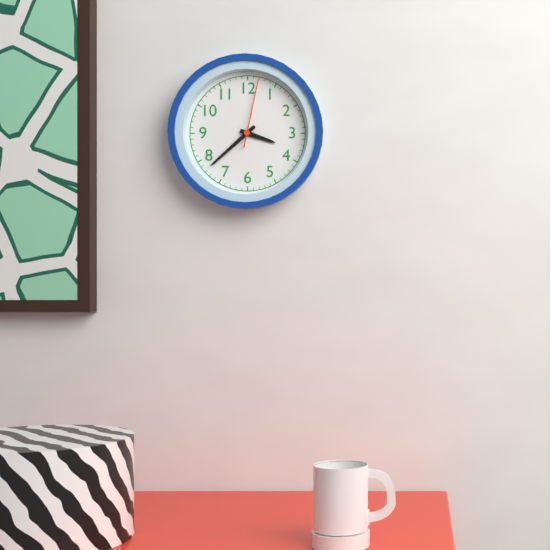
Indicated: 3 h 38 min 02 s
